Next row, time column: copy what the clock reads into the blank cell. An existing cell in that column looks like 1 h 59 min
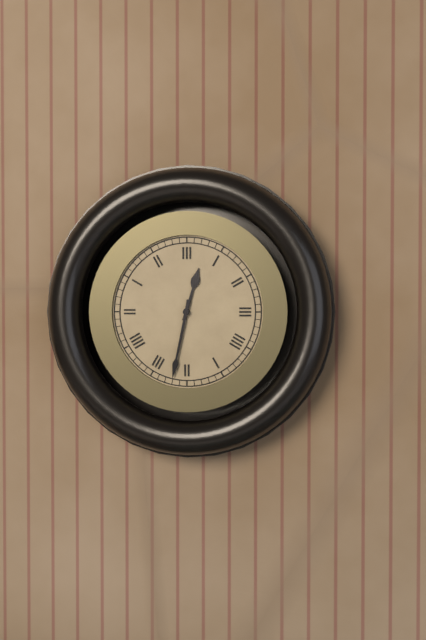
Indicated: 12 h 32 min
